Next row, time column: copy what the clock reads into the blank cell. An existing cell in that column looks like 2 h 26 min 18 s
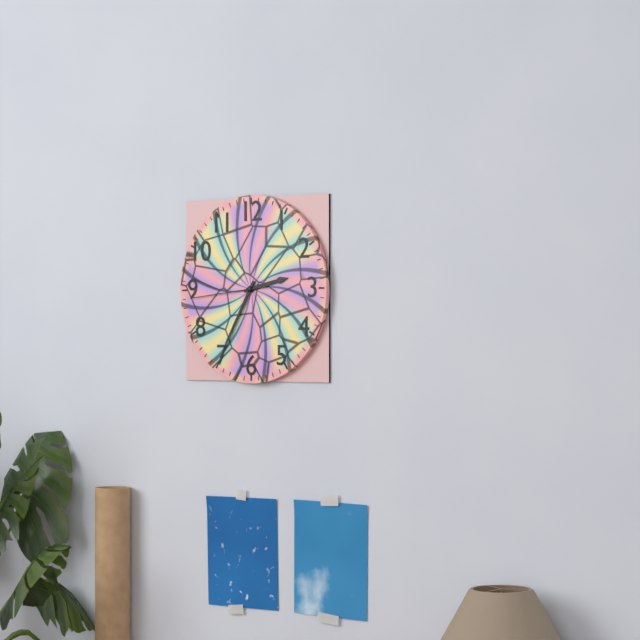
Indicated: 2 h 35 min 44 s
